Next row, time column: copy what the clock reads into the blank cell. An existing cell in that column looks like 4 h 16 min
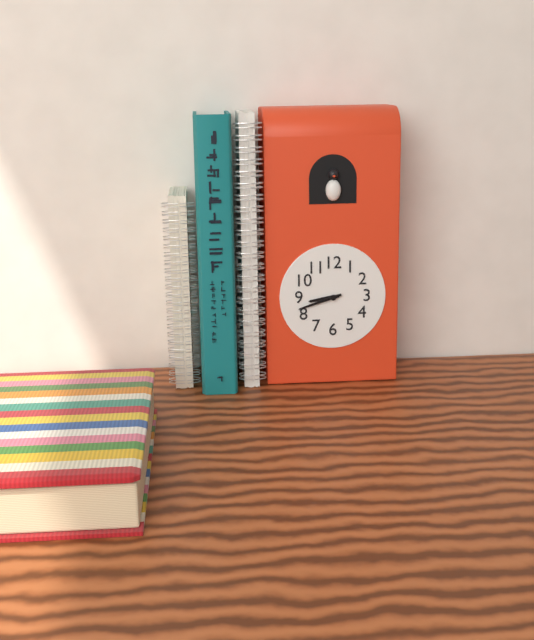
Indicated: 8 h 42 min
